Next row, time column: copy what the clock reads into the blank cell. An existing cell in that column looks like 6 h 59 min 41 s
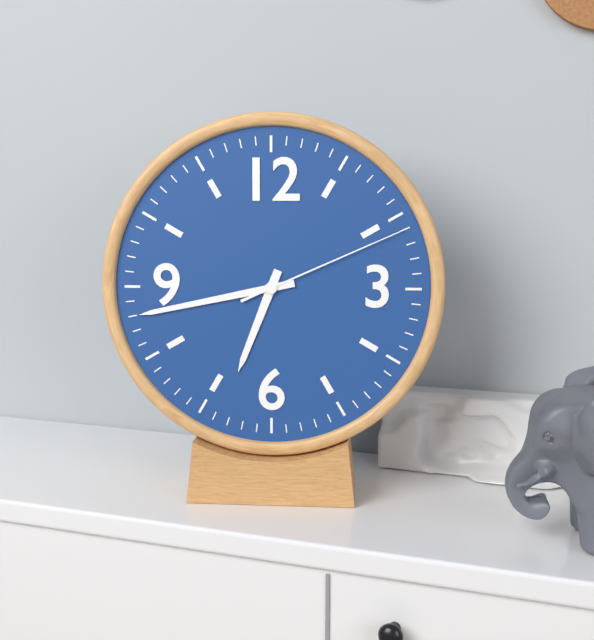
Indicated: 6 h 43 min 11 s
